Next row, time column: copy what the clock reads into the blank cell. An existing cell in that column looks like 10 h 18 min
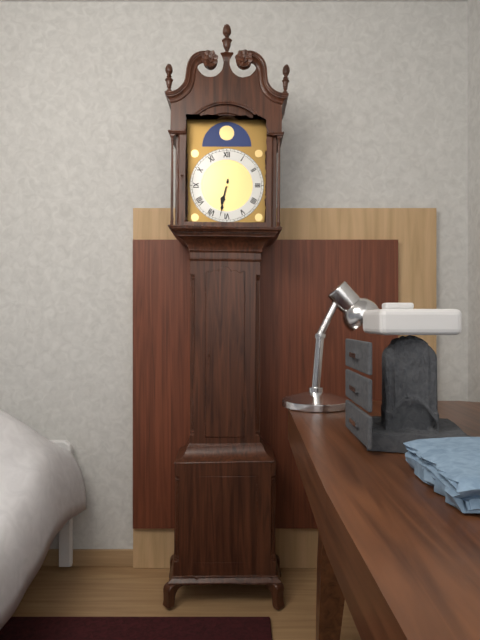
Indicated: 6 h 32 min
